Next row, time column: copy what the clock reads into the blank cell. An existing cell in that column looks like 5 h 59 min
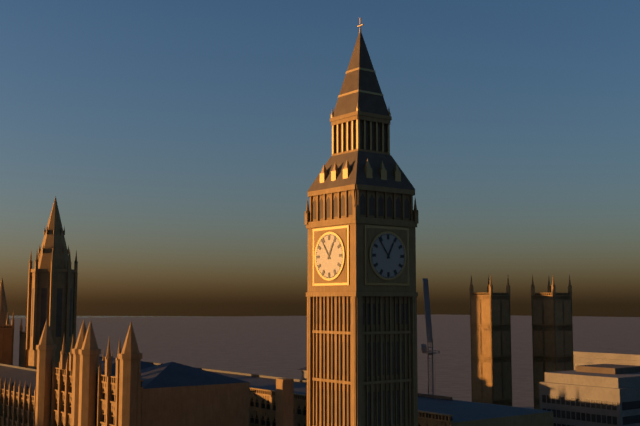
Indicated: 12 h 54 min
